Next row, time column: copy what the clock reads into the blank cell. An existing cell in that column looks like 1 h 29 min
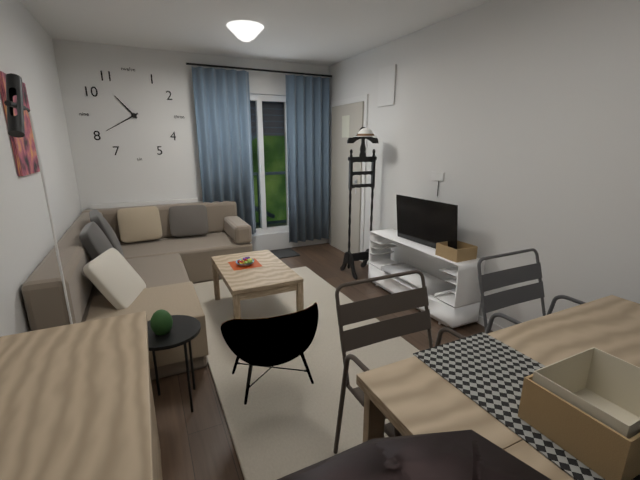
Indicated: 10 h 40 min
